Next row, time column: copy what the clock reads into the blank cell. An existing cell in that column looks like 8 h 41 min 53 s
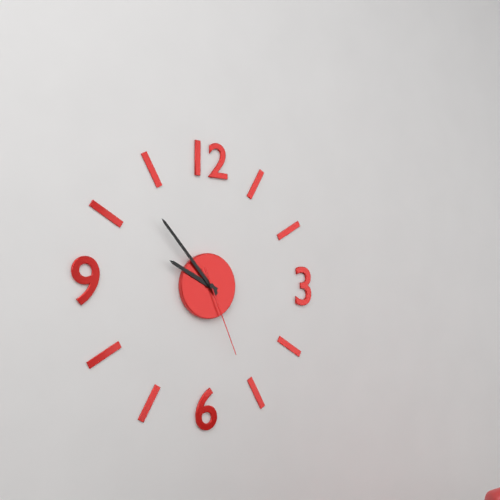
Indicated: 9 h 53 min 26 s
